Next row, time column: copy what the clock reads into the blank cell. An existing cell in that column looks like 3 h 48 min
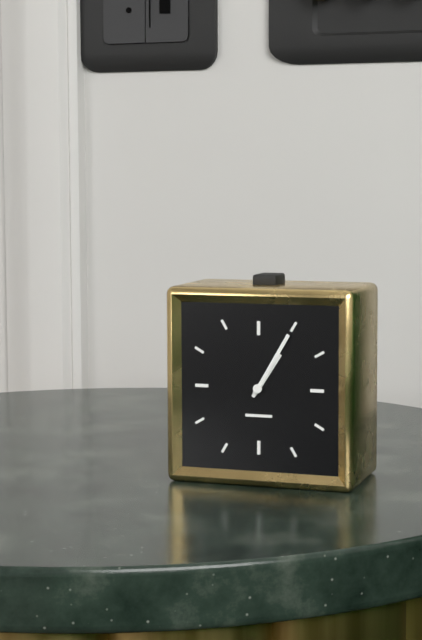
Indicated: 1 h 05 min
